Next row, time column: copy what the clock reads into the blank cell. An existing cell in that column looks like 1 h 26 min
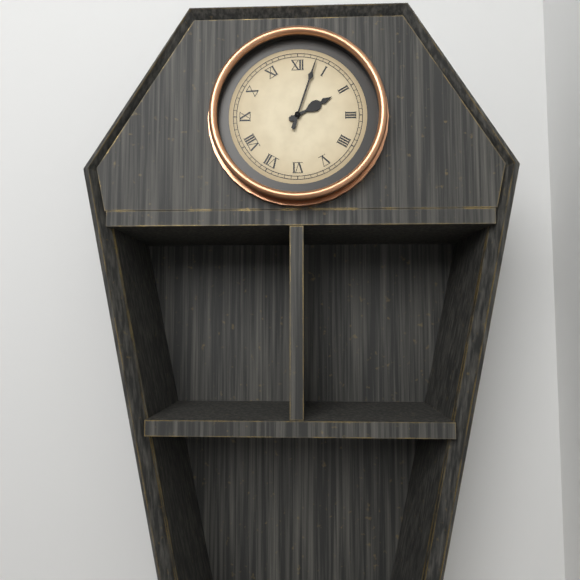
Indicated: 2 h 03 min
